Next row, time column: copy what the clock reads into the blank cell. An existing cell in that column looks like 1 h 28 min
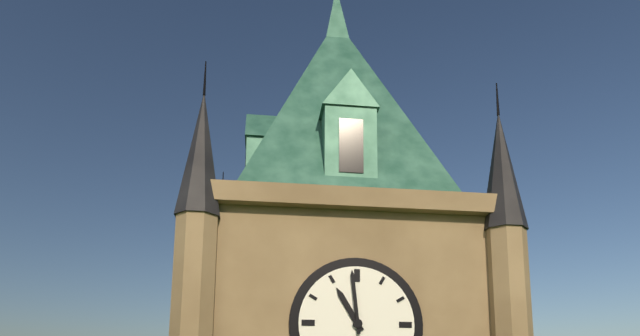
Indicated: 10 h 59 min
